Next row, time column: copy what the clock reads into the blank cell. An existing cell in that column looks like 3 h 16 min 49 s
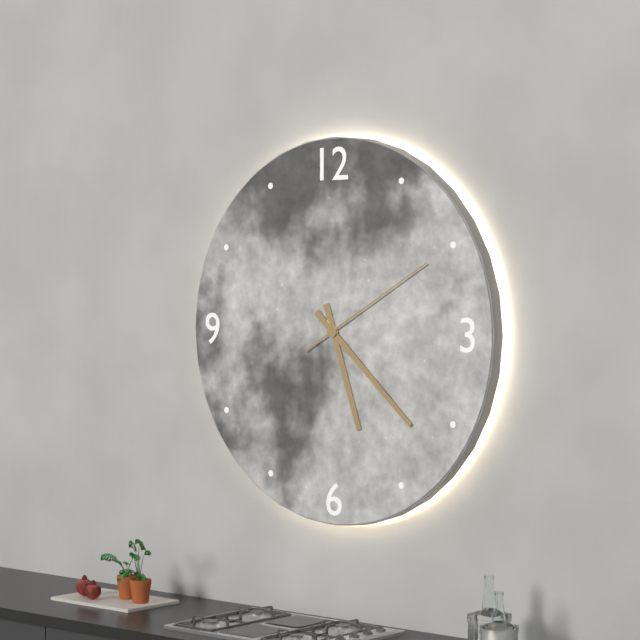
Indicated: 5 h 22 min 10 s
